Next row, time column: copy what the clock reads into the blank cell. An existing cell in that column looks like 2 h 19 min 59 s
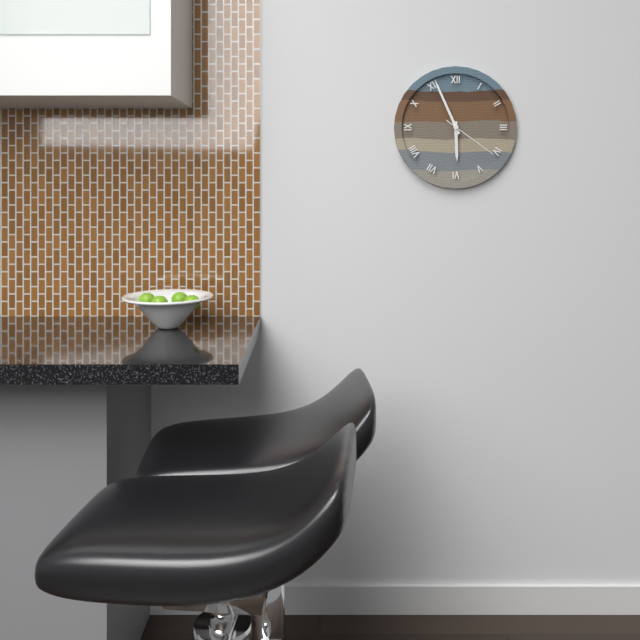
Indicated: 5 h 56 min 21 s
